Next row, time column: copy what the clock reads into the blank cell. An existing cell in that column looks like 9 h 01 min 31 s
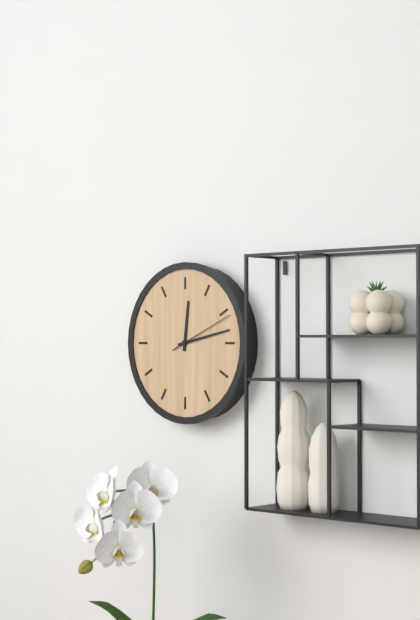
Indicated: 12 h 13 min 11 s
